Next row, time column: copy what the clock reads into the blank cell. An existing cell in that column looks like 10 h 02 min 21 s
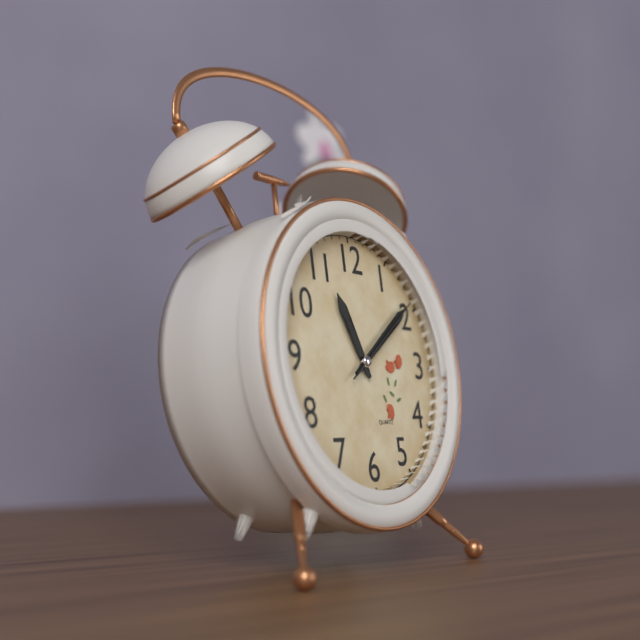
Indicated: 11 h 09 min 09 s
